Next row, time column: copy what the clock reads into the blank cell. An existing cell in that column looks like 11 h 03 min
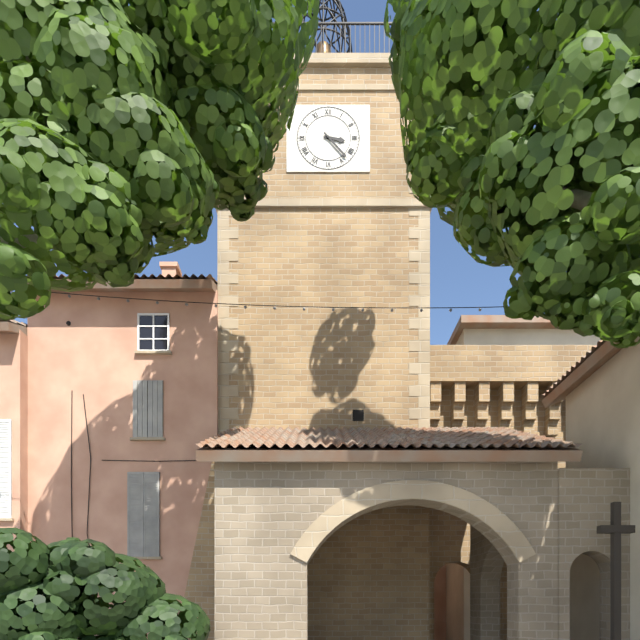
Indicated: 3 h 23 min
